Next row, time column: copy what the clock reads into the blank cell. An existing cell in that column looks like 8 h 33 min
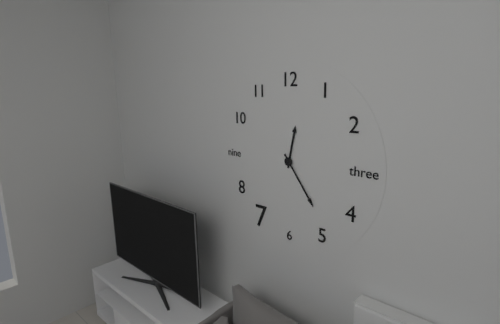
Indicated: 12 h 24 min
